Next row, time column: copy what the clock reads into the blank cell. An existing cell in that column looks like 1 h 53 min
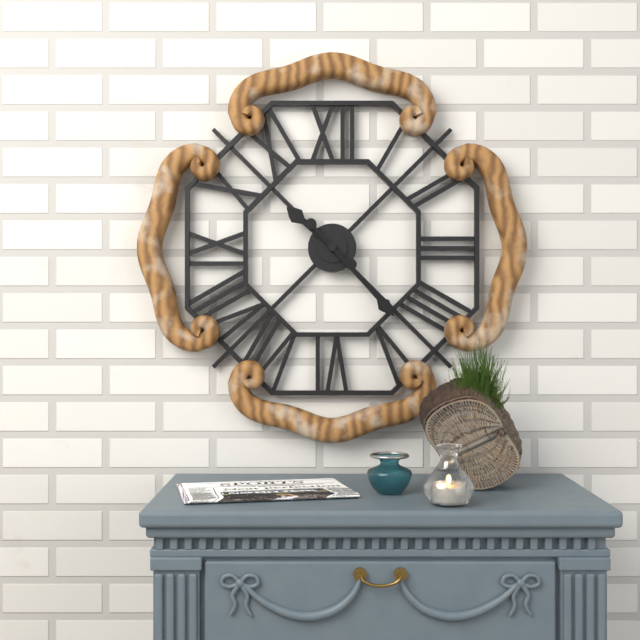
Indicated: 10 h 23 min
